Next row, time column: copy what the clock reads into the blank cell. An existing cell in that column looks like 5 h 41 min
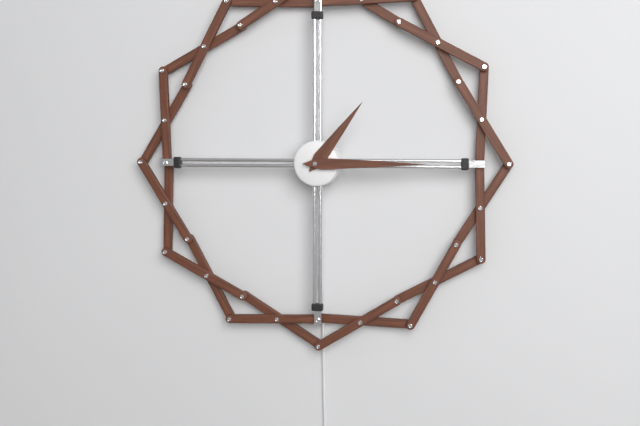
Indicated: 1 h 15 min
